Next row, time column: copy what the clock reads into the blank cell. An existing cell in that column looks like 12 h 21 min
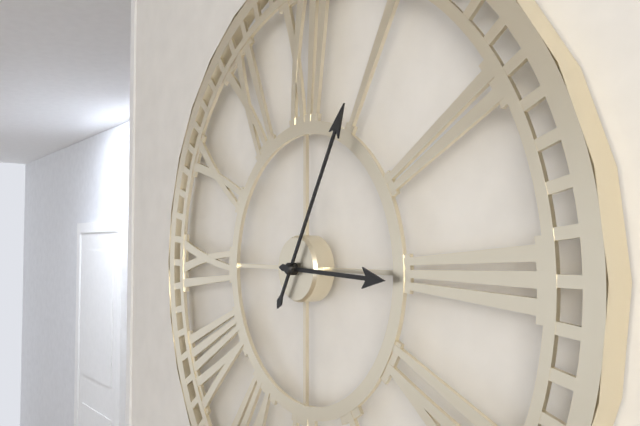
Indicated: 3 h 05 min
